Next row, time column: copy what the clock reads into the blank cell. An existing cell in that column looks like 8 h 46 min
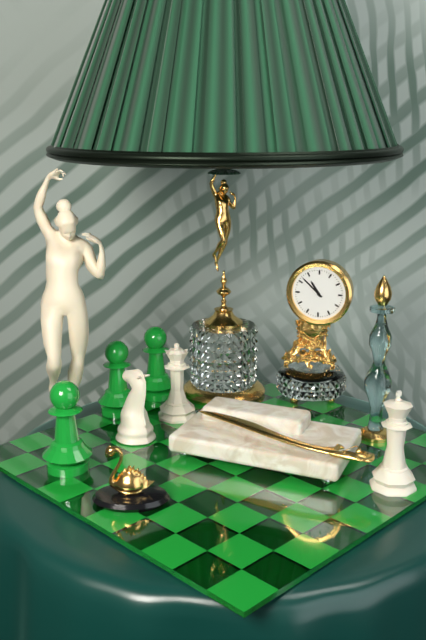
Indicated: 10 h 52 min
